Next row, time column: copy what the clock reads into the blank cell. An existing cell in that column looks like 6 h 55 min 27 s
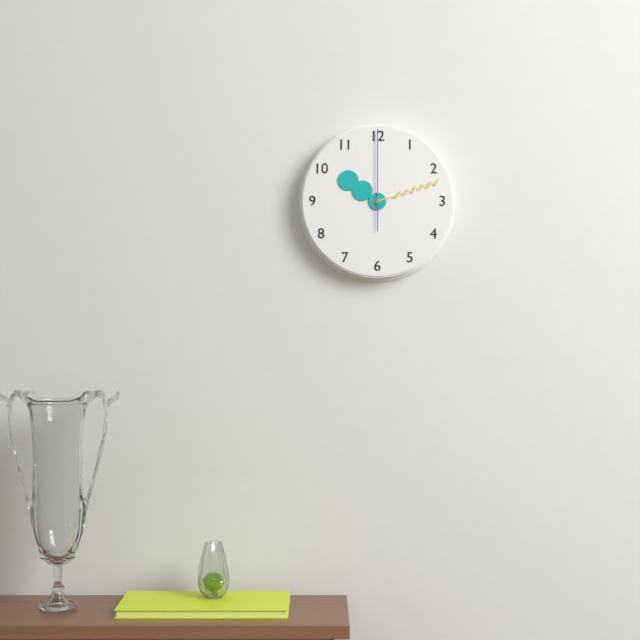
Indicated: 10 h 12 min 00 s
